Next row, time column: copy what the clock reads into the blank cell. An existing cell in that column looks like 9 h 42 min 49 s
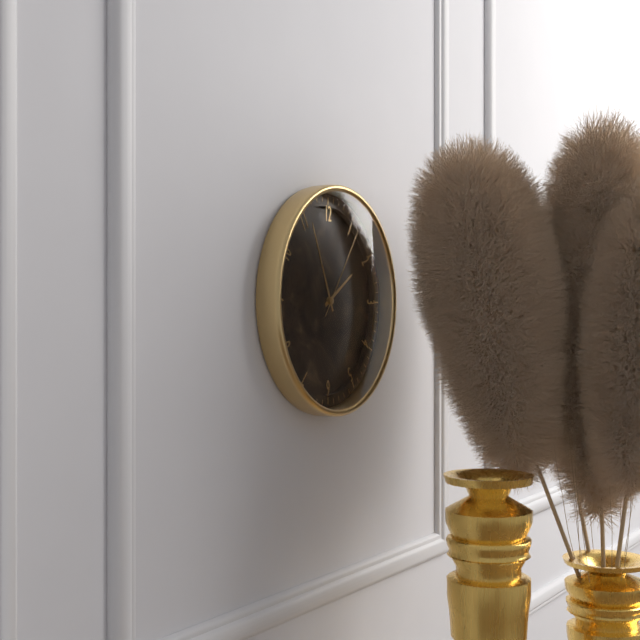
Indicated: 1 h 56 min 06 s
